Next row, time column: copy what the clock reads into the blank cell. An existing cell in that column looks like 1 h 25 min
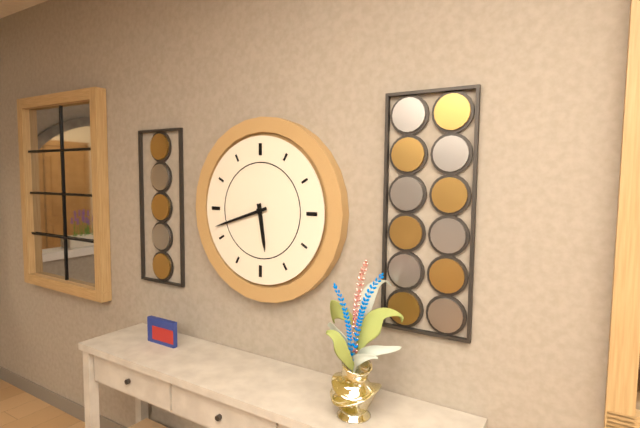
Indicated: 5 h 42 min
